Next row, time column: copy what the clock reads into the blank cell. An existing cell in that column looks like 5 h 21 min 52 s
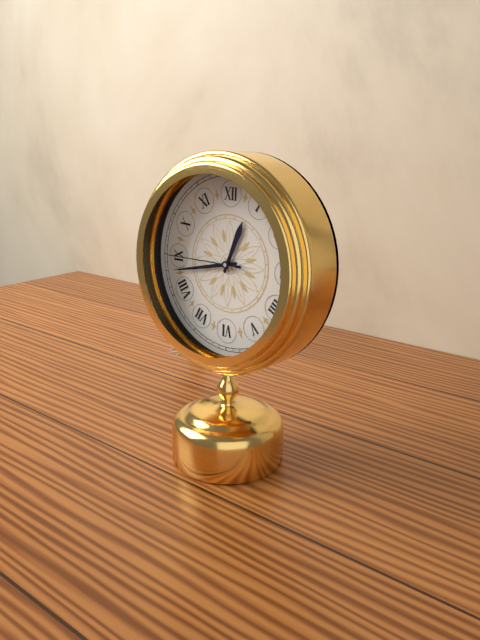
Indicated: 12 h 43 min 45 s
